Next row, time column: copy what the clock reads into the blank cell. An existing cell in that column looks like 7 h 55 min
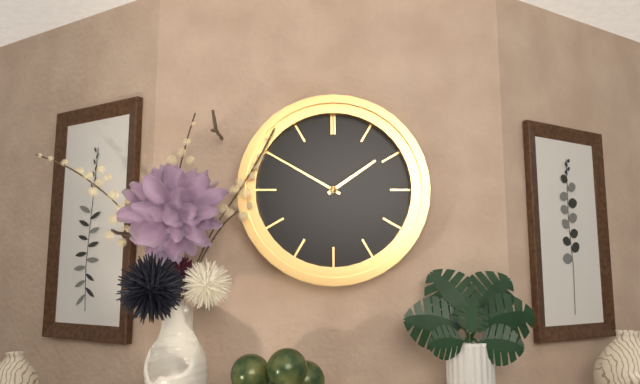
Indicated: 1 h 50 min
